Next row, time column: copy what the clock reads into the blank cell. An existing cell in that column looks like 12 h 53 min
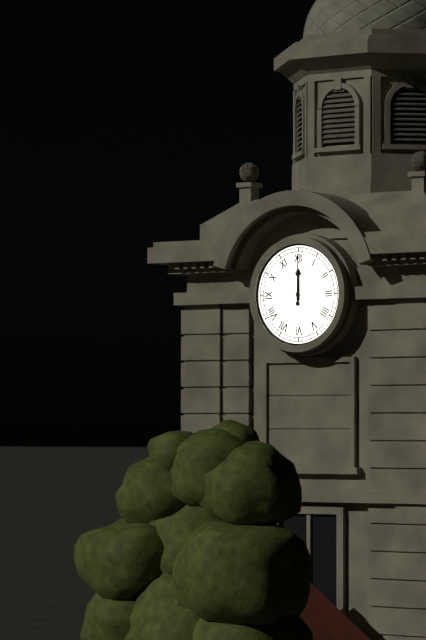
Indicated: 12 h 00 min
